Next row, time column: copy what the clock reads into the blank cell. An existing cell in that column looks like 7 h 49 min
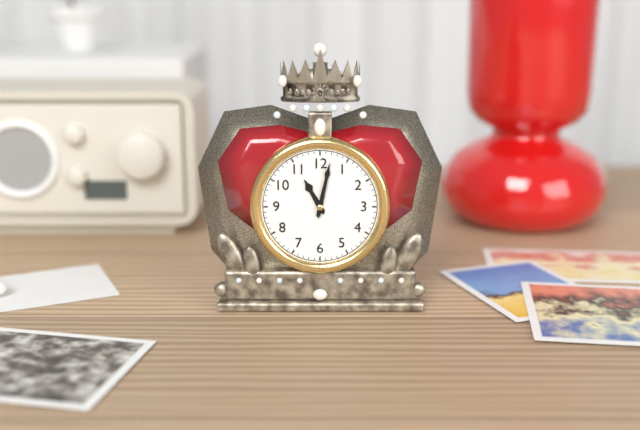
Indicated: 11 h 02 min
